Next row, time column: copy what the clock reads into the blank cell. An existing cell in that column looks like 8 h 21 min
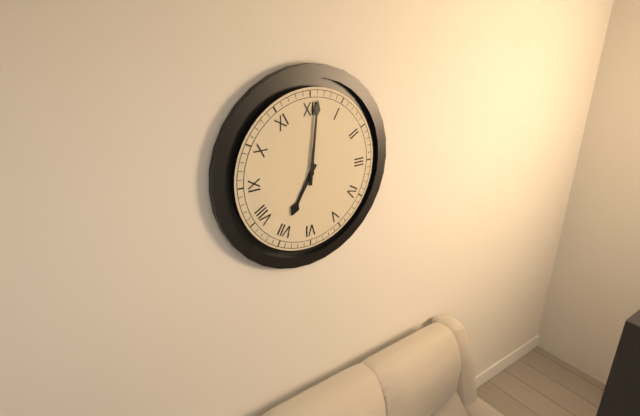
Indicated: 7 h 01 min
